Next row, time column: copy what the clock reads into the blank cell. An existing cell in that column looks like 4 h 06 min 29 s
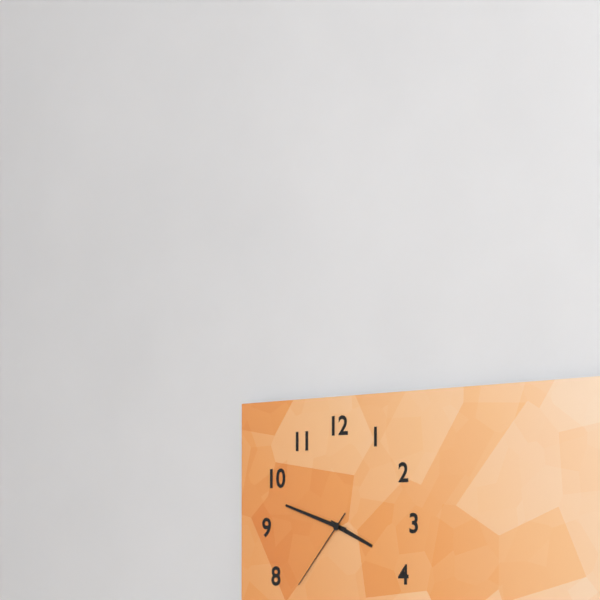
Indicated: 3 h 48 min 37 s
